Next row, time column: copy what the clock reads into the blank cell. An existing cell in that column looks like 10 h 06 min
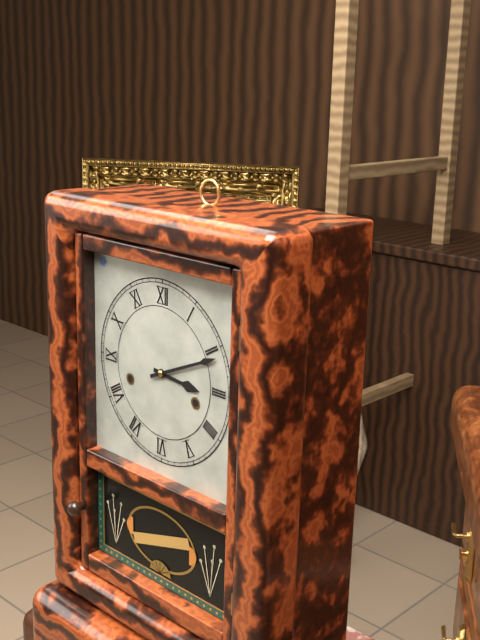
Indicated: 3 h 11 min
